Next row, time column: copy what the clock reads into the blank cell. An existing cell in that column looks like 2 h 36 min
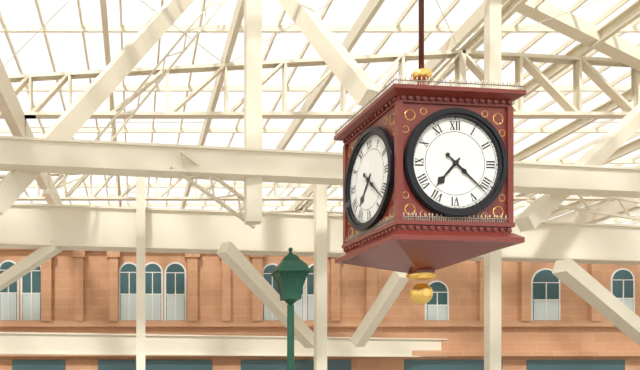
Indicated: 7 h 22 min
